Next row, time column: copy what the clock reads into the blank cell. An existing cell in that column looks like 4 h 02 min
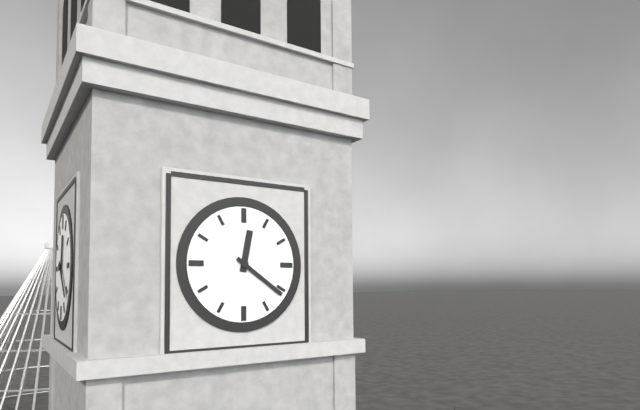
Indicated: 12 h 21 min
